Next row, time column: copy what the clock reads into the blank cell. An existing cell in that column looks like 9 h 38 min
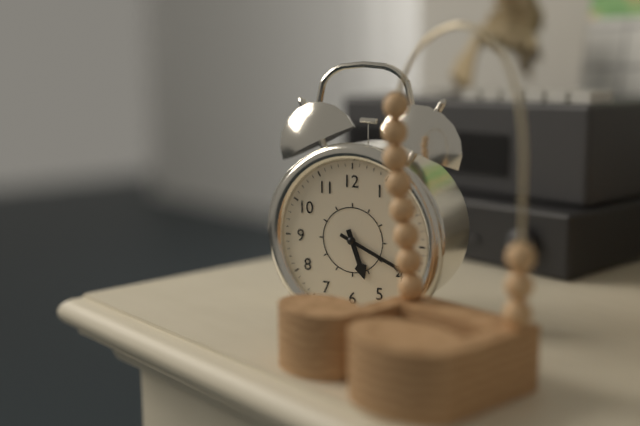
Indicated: 5 h 19 min
